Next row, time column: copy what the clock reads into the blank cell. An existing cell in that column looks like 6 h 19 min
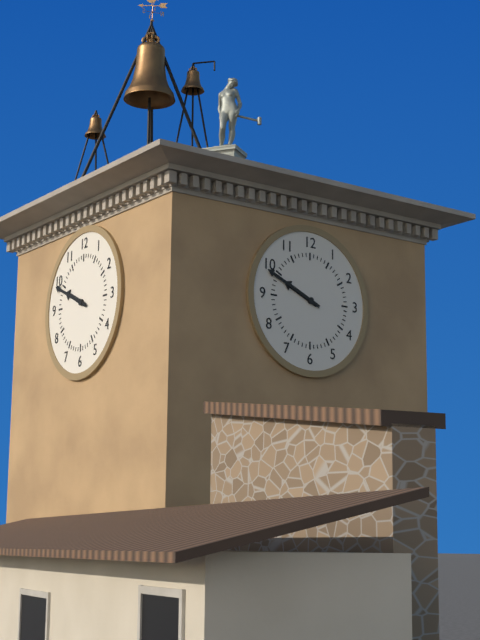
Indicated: 9 h 49 min
